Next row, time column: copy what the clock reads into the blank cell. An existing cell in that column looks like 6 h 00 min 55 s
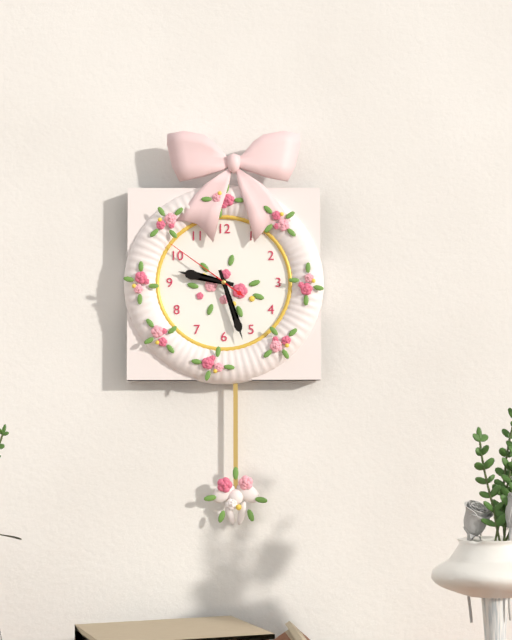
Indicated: 9 h 27 min 51 s
